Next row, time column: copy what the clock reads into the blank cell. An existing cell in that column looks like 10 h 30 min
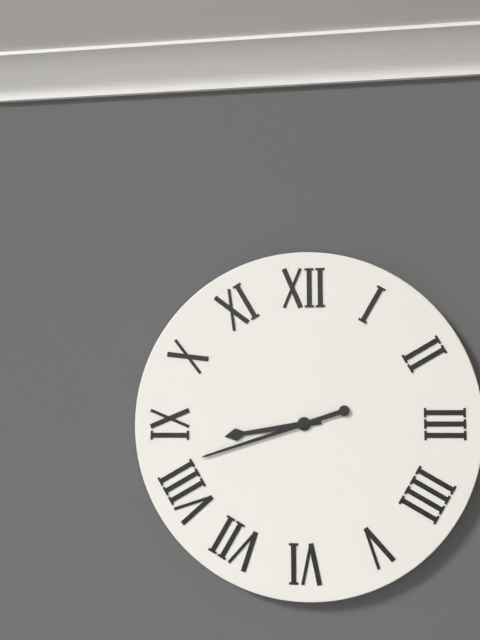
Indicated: 8 h 42 min
